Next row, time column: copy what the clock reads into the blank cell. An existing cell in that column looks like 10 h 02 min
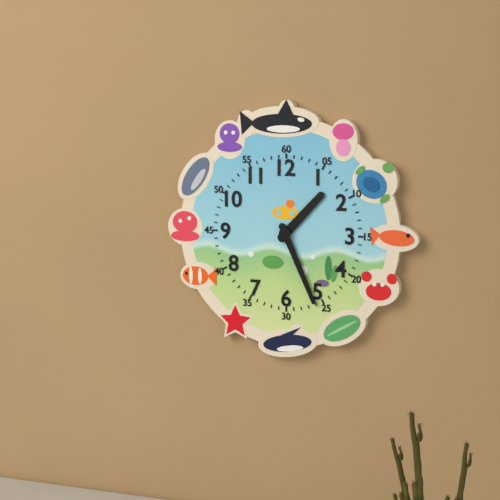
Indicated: 1 h 26 min
